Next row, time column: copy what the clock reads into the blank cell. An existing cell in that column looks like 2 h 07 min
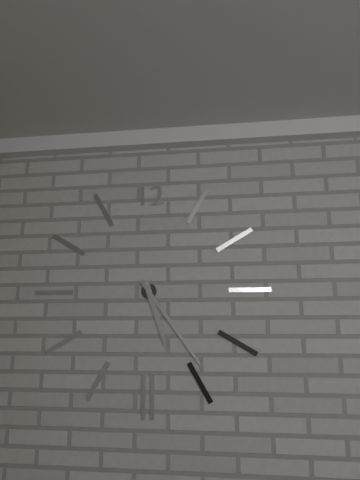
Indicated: 5 h 24 min
